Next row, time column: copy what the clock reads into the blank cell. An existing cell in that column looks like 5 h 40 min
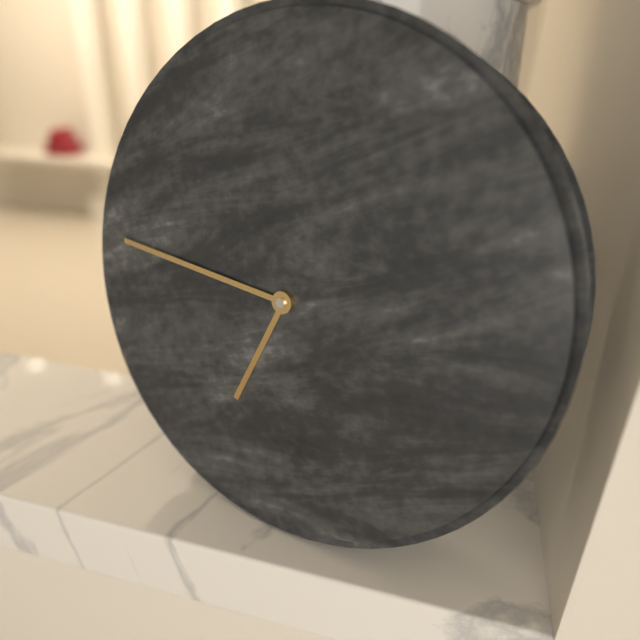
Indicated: 6 h 46 min
